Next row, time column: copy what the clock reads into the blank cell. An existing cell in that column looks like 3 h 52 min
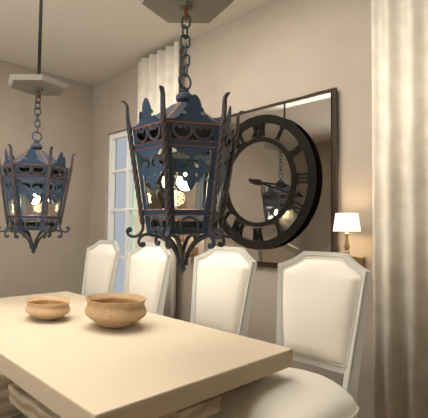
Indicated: 3 h 18 min
